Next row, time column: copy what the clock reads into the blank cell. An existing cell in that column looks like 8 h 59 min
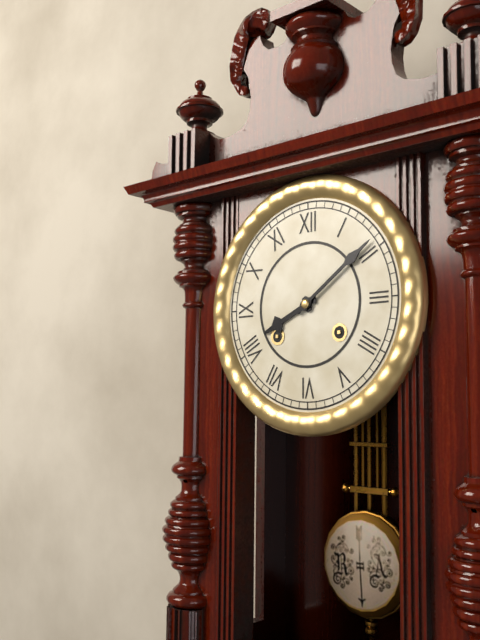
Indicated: 8 h 09 min
